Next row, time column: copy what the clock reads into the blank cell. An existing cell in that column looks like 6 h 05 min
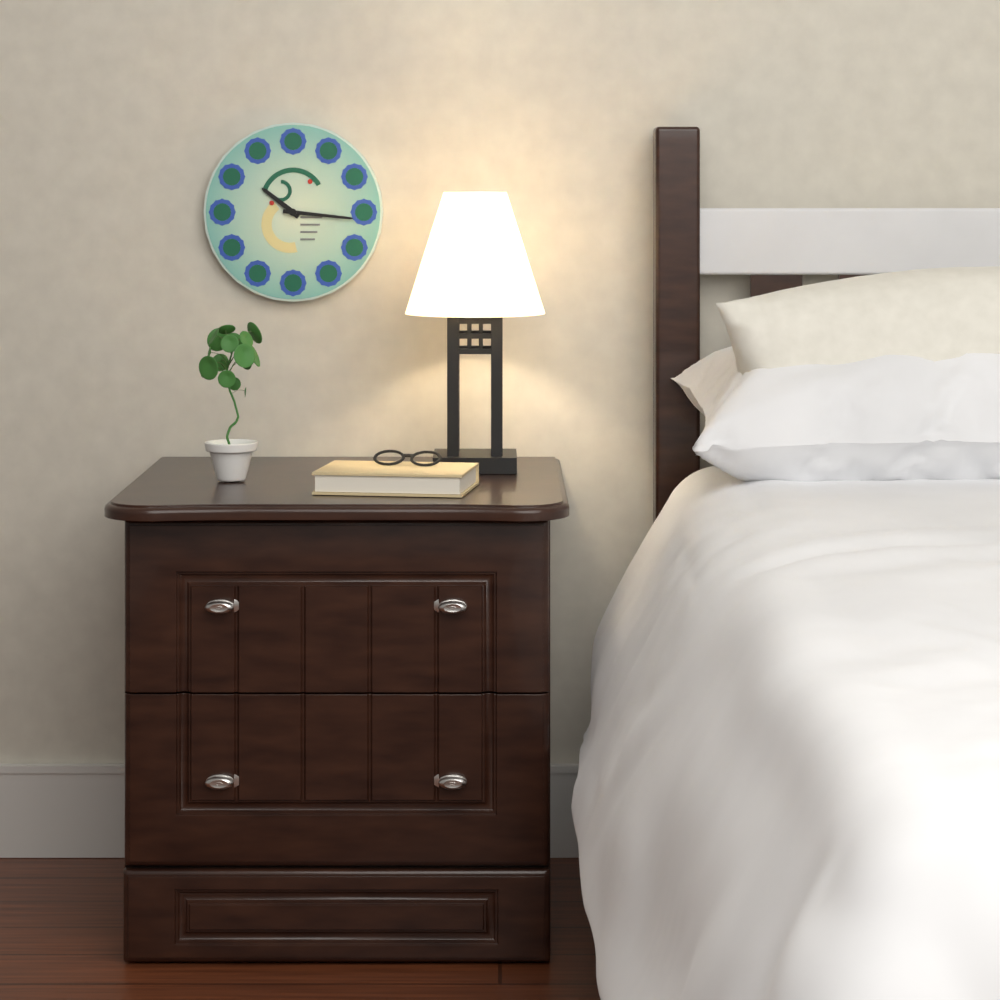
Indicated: 10 h 16 min
